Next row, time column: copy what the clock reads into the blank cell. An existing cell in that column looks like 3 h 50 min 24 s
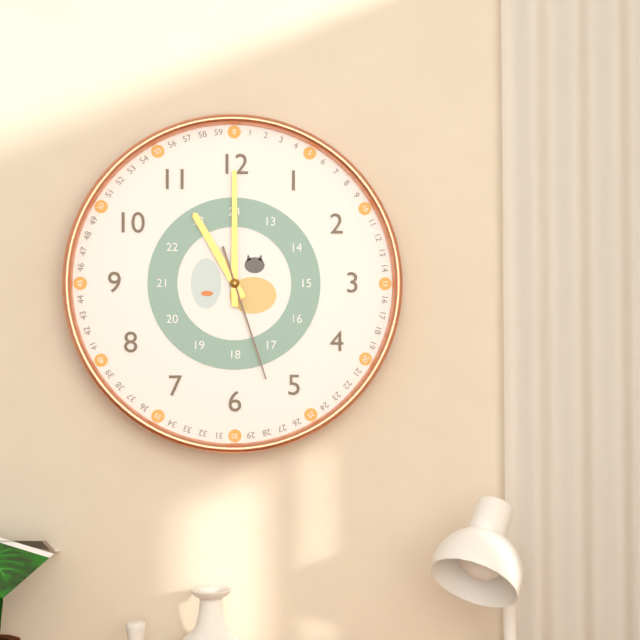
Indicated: 11 h 00 min 27 s
